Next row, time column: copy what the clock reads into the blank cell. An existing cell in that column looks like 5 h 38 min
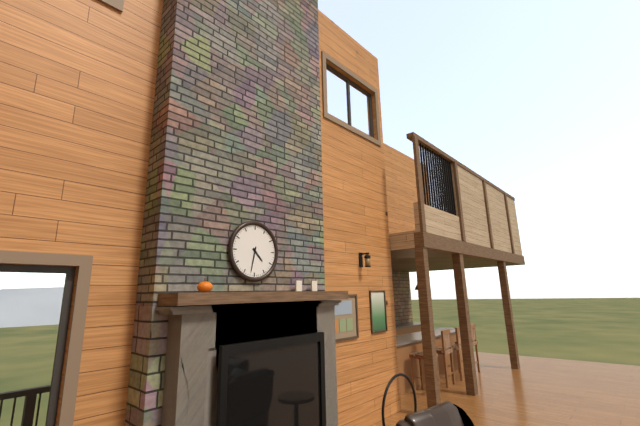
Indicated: 4 h 32 min
